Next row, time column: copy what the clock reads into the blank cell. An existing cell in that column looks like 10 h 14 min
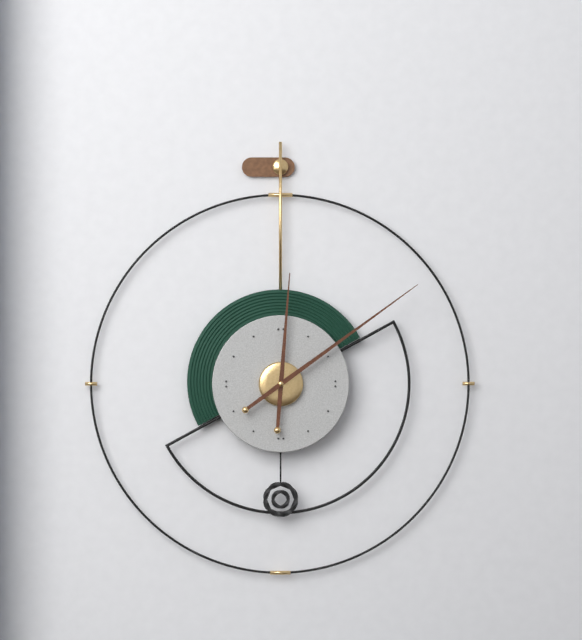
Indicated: 12 h 09 min
